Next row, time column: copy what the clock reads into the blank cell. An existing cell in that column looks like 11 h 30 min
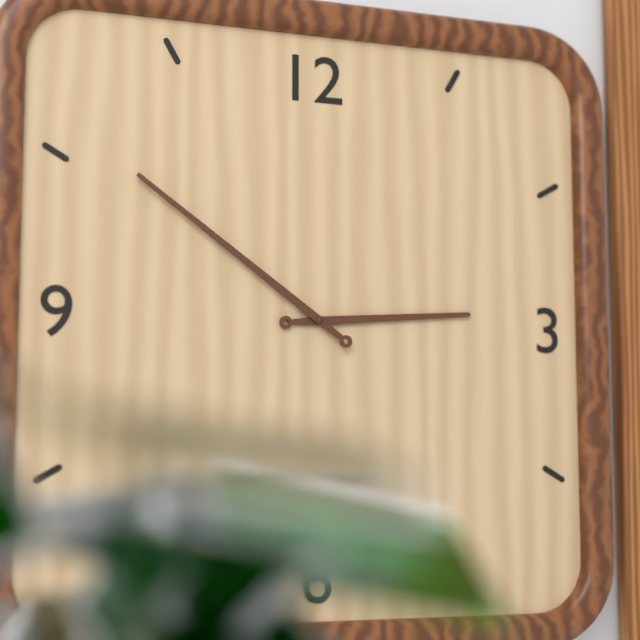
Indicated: 2 h 51 min
